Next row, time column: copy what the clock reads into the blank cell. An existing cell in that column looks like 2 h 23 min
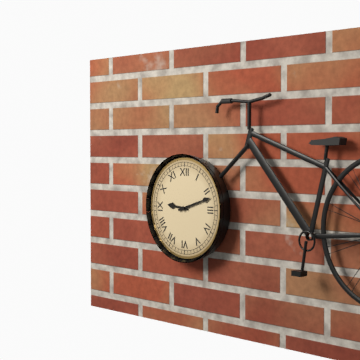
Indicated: 9 h 12 min
